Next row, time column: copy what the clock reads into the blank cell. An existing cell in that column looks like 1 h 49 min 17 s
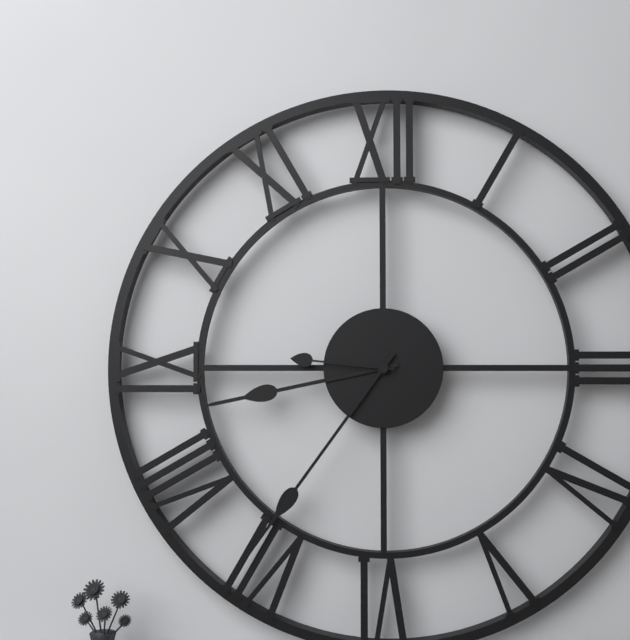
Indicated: 8 h 36 min 46 s
